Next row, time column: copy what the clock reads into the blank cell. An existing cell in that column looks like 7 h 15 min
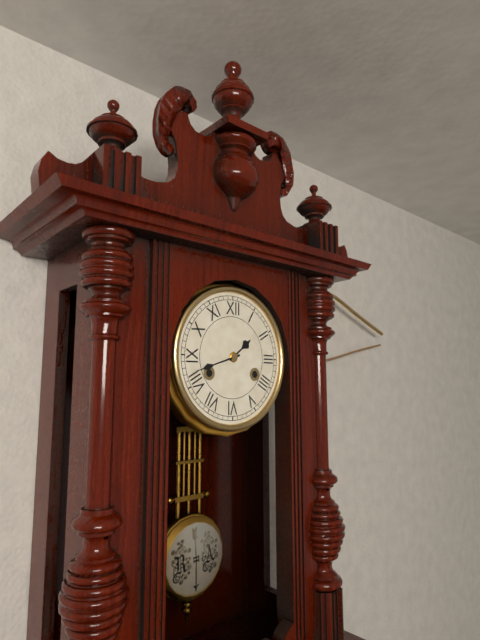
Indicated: 1 h 42 min
